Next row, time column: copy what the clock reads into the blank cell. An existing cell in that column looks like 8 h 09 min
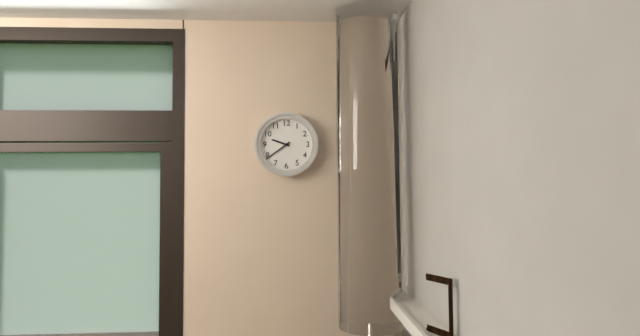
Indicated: 9 h 39 min
